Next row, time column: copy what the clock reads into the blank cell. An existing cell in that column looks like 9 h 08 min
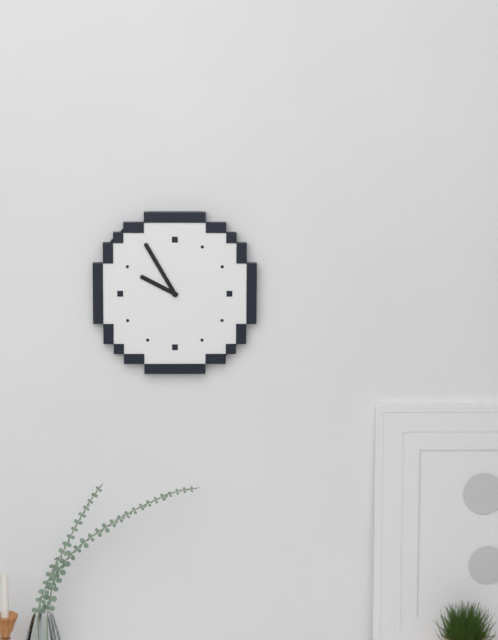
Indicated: 9 h 55 min
